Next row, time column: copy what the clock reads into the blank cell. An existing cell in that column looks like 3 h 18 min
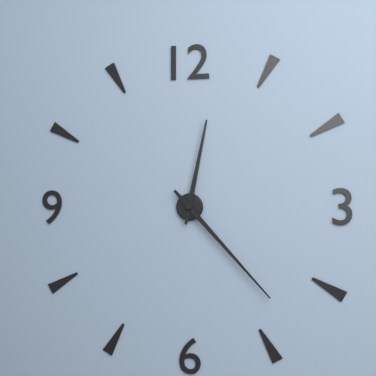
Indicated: 12 h 23 min
